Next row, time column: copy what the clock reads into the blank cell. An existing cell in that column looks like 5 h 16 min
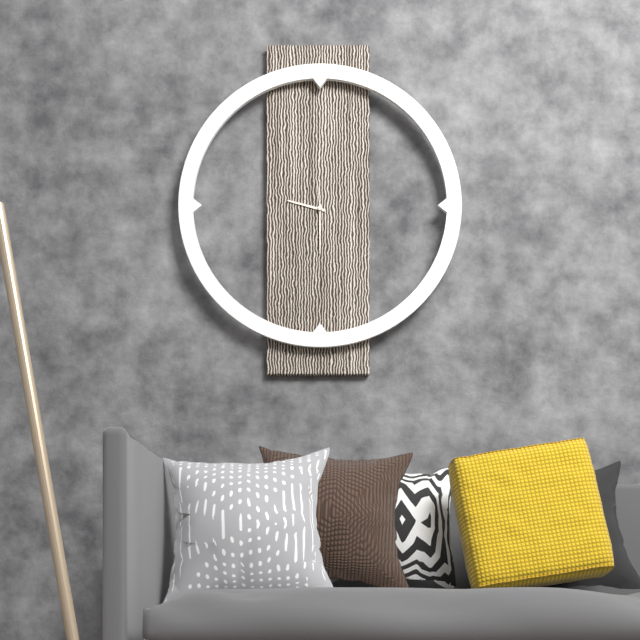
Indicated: 9 h 30 min
